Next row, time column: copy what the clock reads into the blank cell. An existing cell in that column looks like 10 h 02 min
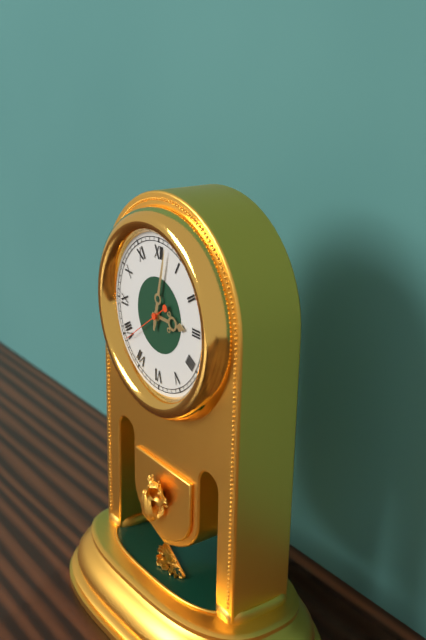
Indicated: 3 h 02 min
